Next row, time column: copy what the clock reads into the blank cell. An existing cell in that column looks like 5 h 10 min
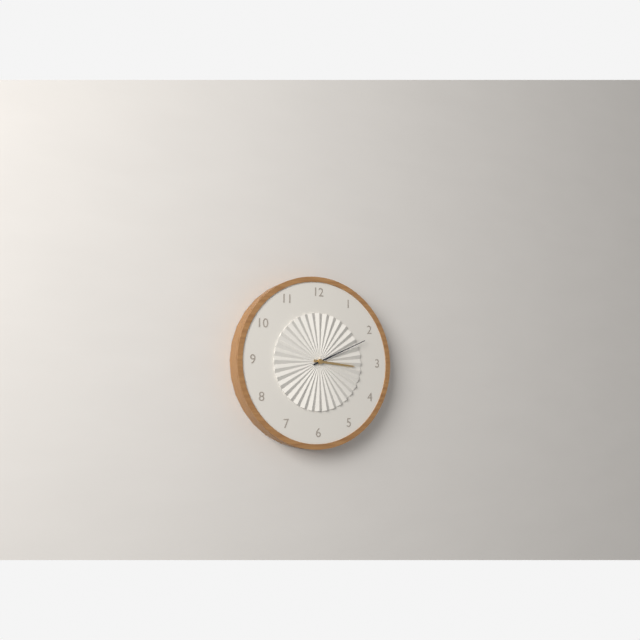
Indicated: 3 h 11 min
